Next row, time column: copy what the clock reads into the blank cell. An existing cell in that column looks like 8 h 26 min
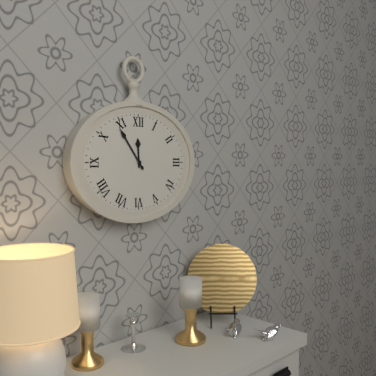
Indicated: 11 h 54 min
